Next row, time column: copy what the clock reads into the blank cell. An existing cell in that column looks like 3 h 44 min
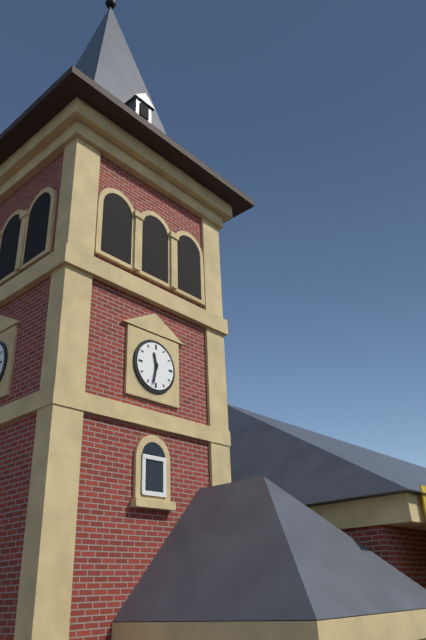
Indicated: 11 h 32 min
